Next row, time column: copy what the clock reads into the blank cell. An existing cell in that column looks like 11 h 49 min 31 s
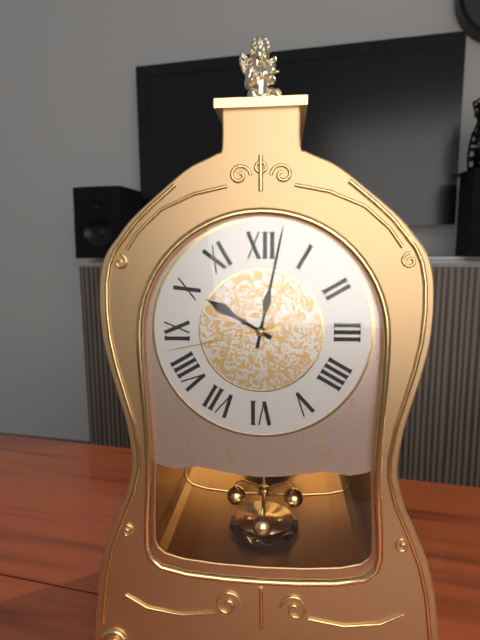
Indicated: 10 h 02 min 43 s
